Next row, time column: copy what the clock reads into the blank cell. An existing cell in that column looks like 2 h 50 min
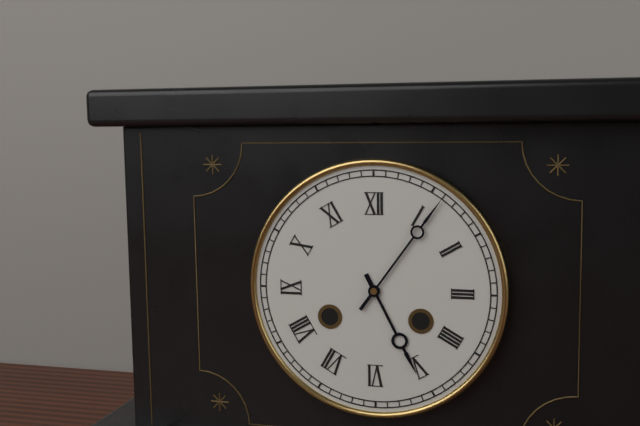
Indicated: 5 h 06 min
